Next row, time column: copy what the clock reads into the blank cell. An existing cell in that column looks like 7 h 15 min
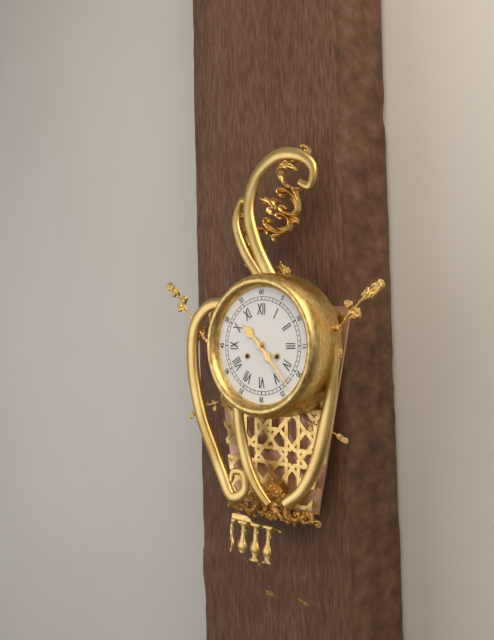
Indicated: 10 h 23 min
